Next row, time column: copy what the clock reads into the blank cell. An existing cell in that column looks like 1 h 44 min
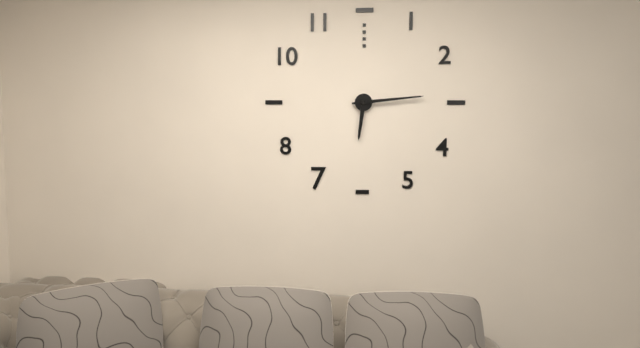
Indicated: 6 h 14 min
